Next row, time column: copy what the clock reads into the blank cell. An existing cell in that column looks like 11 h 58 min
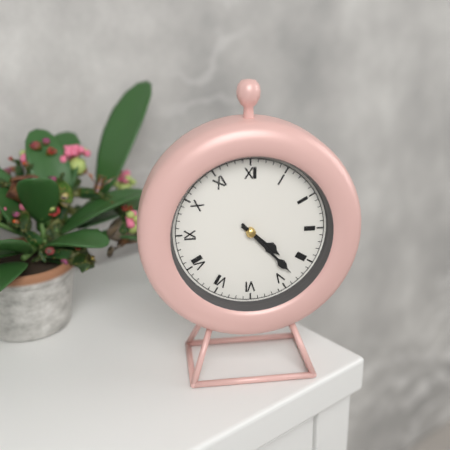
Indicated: 4 h 23 min
